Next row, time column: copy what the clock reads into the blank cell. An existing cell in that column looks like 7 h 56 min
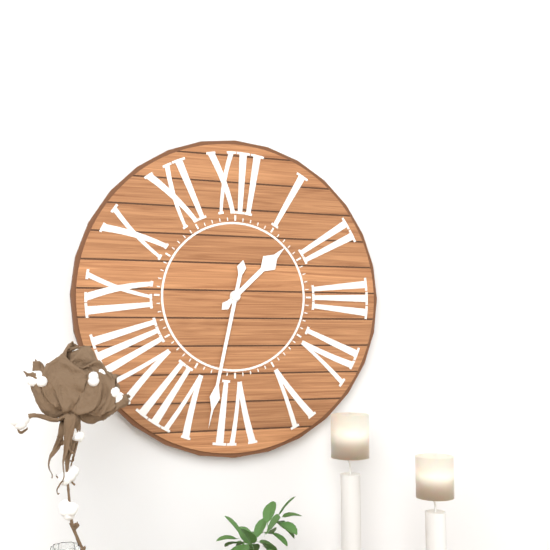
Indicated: 1 h 32 min
